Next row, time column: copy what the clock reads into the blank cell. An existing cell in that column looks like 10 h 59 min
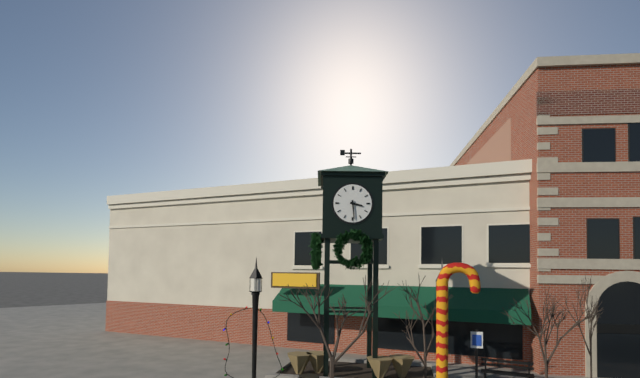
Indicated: 3 h 29 min
